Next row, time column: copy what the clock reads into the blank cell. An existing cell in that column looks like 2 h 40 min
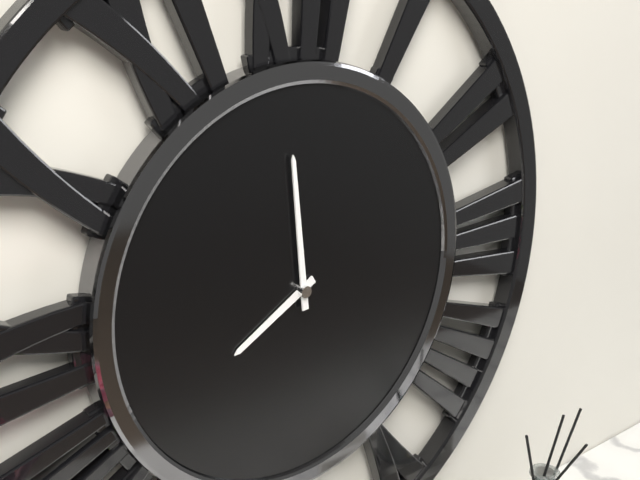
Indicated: 7 h 59 min
